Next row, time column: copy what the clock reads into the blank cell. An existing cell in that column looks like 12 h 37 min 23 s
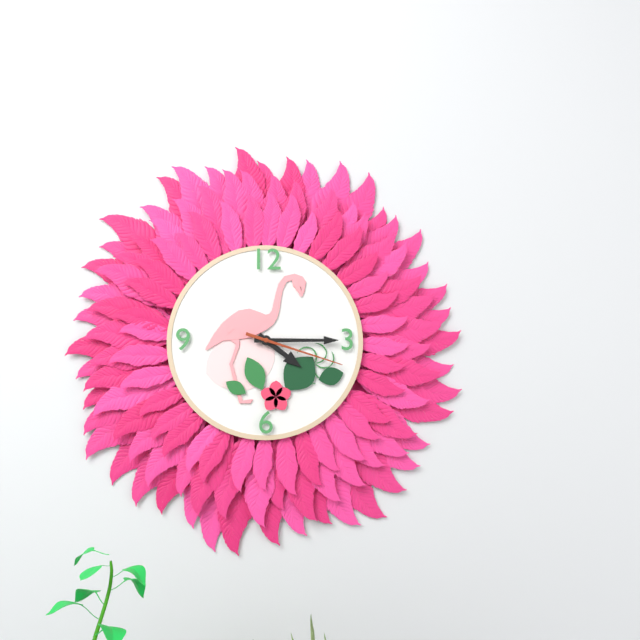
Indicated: 4 h 15 min 18 s
